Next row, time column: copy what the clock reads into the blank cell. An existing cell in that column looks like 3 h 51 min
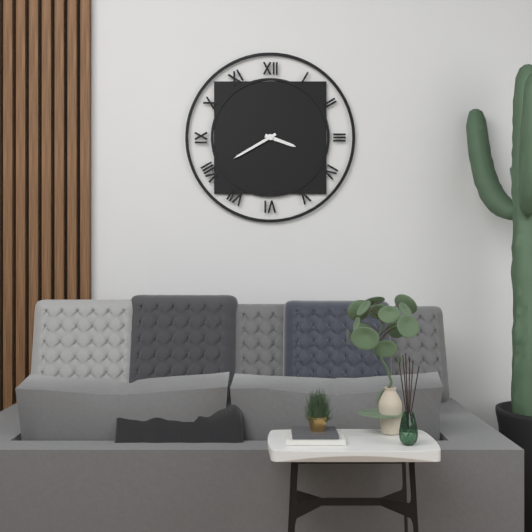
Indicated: 3 h 40 min
